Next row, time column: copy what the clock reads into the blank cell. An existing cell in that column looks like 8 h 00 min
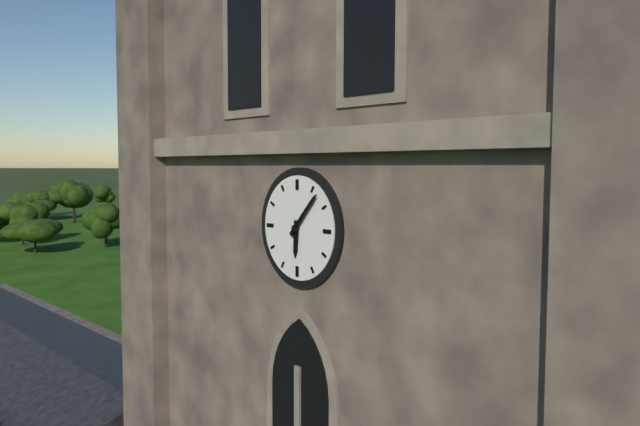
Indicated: 6 h 07 min
